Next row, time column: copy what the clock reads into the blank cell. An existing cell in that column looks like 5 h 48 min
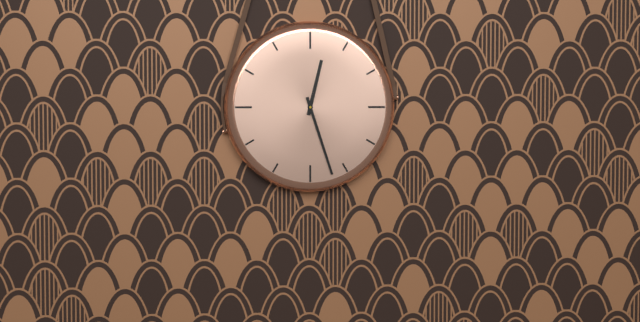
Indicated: 12 h 27 min
